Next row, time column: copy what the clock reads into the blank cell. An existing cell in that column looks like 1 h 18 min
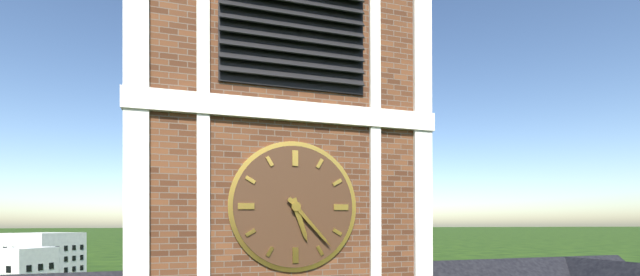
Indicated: 5 h 23 min
